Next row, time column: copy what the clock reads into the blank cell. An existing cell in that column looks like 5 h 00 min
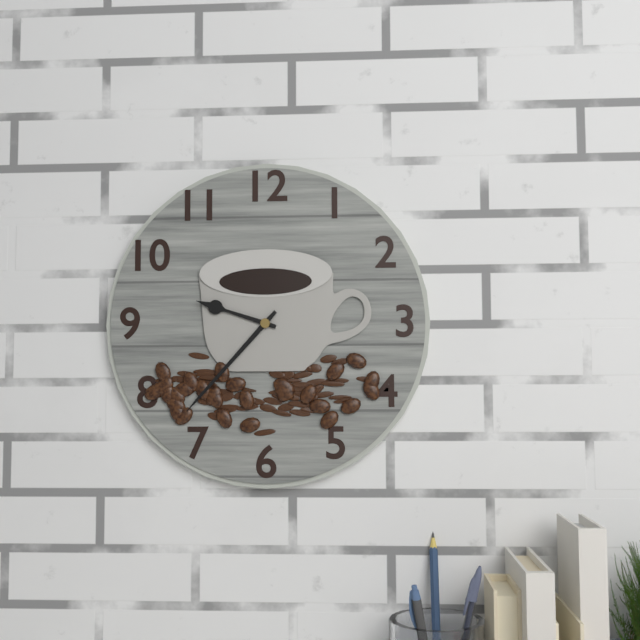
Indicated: 9 h 37 min
